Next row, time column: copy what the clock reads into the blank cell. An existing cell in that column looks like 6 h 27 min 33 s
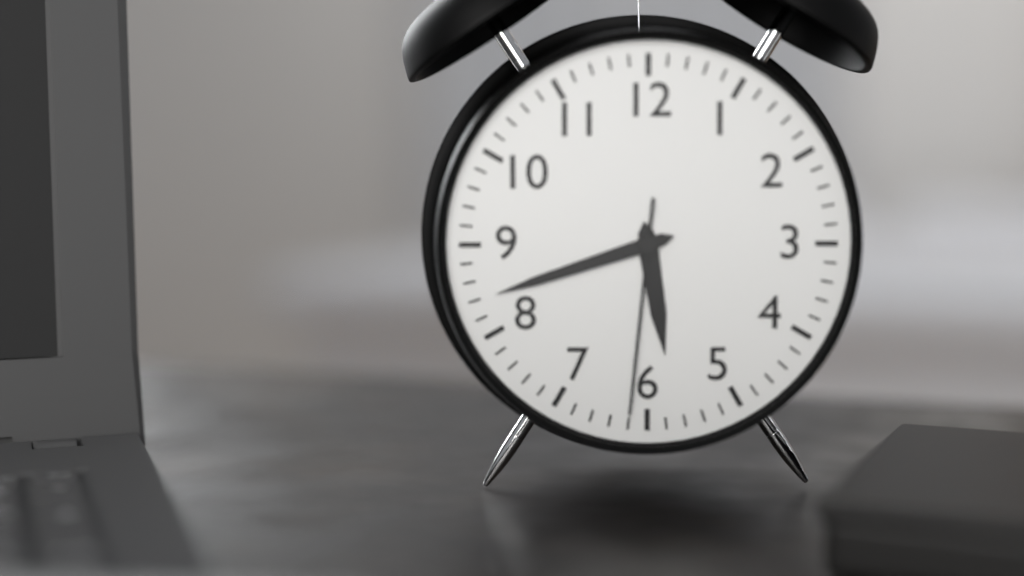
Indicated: 5 h 42 min 31 s
